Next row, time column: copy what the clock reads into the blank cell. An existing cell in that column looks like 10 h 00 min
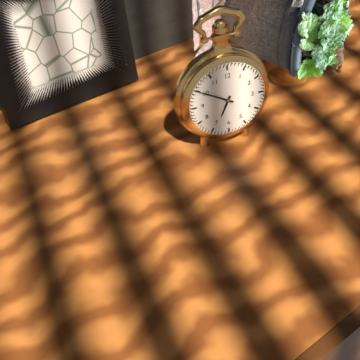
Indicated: 6 h 50 min
